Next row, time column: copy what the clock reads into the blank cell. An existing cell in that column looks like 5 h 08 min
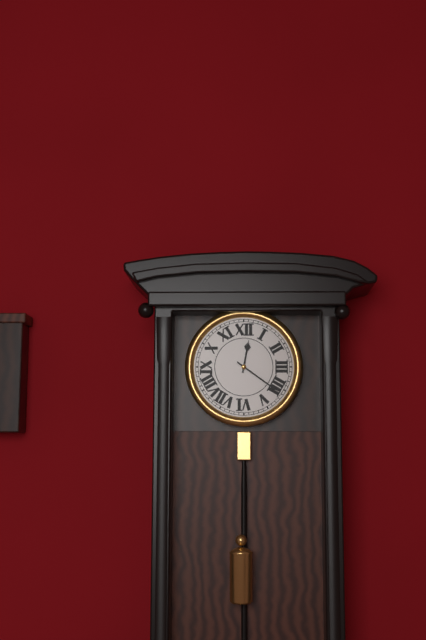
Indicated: 12 h 21 min
